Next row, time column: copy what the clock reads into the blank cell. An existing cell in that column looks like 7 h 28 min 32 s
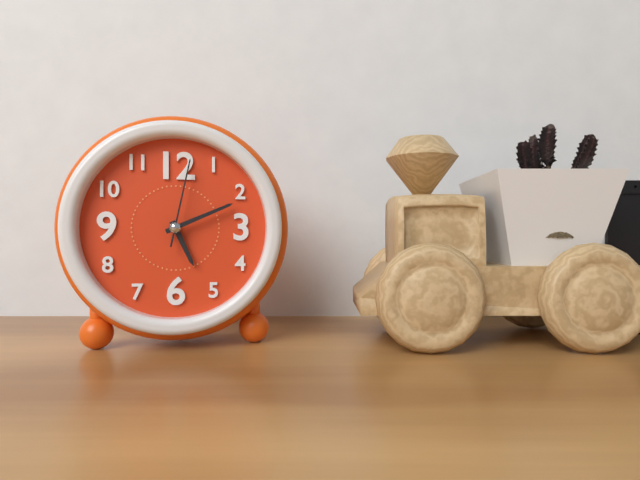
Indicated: 5 h 11 min 02 s
